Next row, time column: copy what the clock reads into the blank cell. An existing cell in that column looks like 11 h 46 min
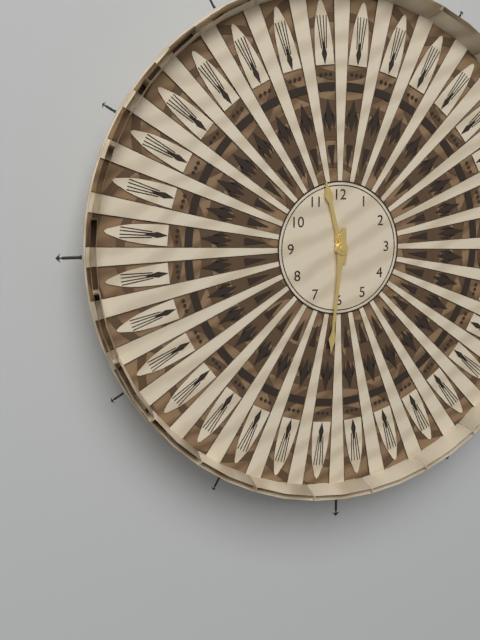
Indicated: 11 h 31 min
